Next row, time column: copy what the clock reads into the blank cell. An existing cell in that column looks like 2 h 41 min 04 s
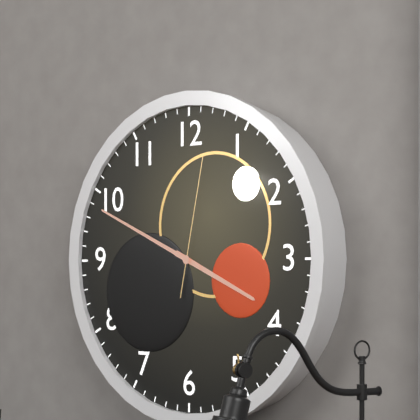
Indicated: 3 h 49 min 02 s
